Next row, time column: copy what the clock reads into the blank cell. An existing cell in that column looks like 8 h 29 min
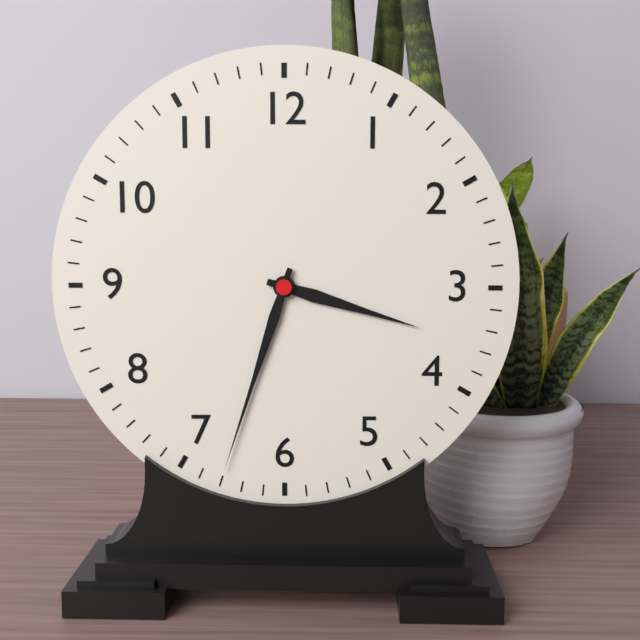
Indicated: 3 h 33 min
